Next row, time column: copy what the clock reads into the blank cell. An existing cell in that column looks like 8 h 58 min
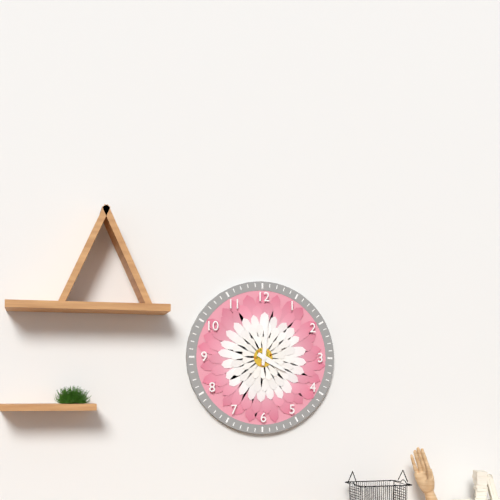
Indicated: 4 h 01 min
